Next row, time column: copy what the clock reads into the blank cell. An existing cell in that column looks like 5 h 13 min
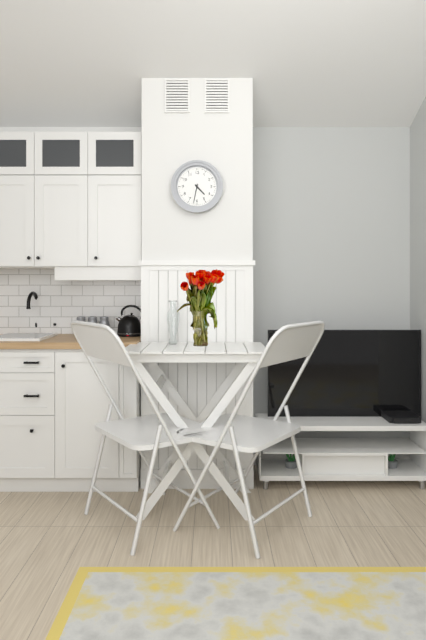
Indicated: 4 h 32 min
